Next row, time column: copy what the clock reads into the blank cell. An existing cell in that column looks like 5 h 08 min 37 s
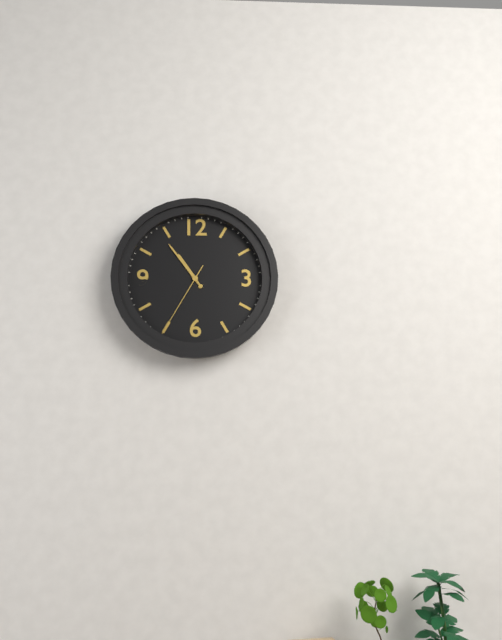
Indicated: 10 h 54 min 35 s
